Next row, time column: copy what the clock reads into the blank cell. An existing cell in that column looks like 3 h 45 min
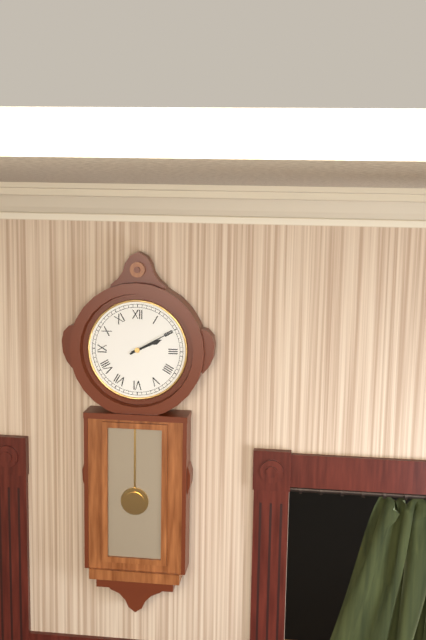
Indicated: 2 h 10 min
